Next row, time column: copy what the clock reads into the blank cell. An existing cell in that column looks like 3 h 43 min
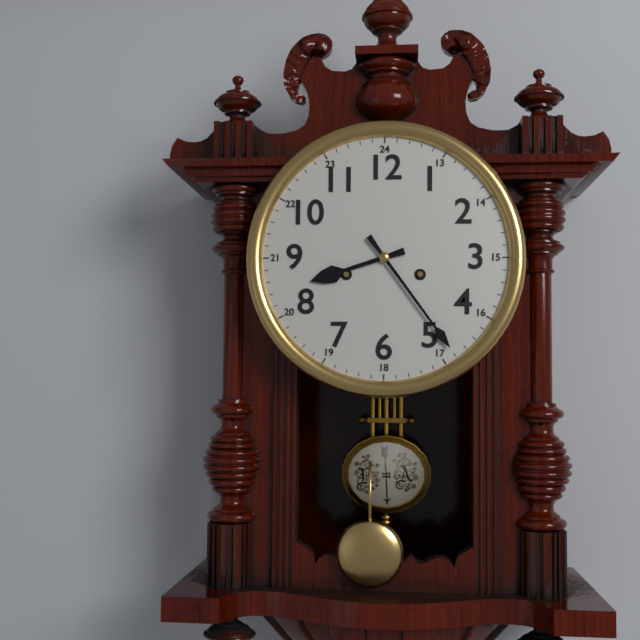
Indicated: 8 h 24 min
